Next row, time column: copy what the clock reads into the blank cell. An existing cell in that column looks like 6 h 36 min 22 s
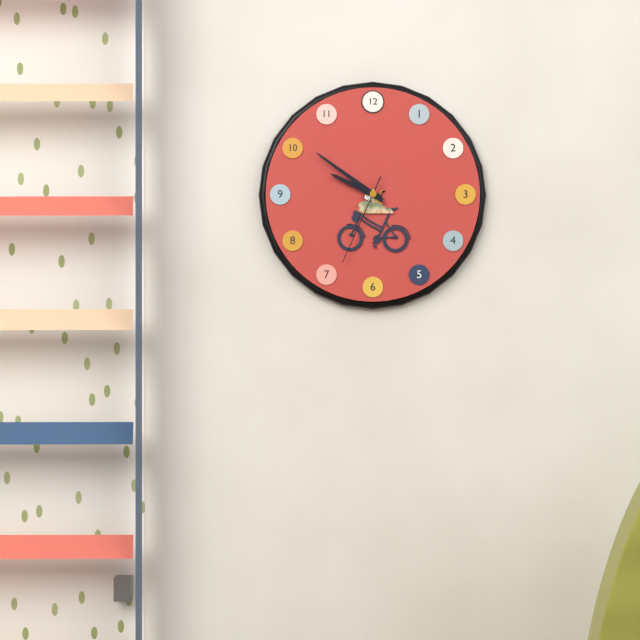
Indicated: 9 h 51 min 34 s
